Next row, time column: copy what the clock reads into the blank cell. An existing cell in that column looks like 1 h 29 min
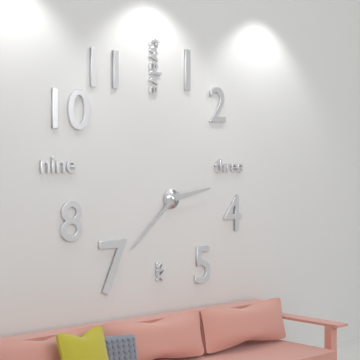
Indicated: 2 h 38 min
